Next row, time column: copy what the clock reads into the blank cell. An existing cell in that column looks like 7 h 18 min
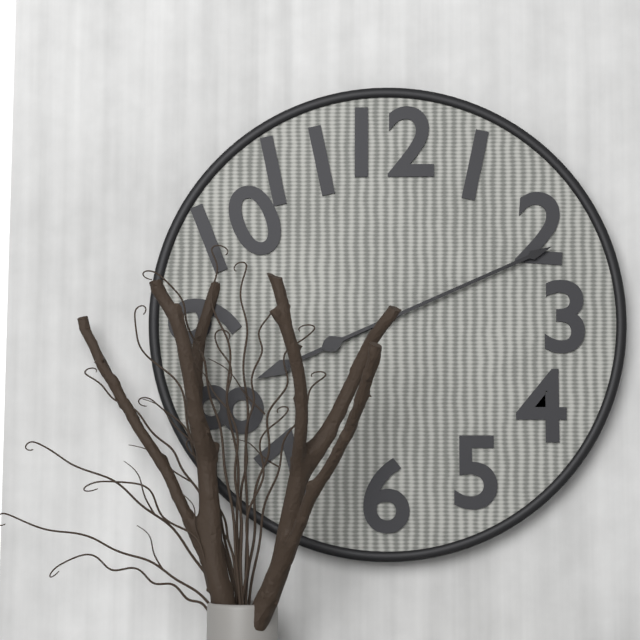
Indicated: 8 h 11 min
